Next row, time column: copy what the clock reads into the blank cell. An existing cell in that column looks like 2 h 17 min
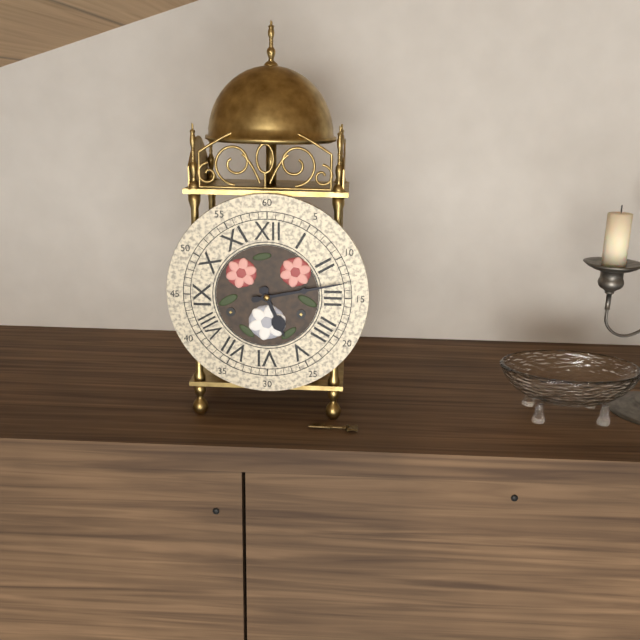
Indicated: 5 h 13 min
